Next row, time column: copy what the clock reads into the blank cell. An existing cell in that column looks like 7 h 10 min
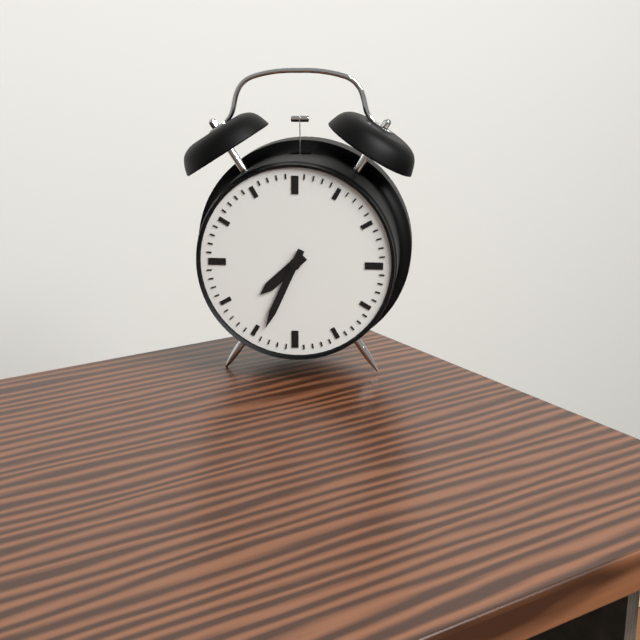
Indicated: 7 h 34 min
